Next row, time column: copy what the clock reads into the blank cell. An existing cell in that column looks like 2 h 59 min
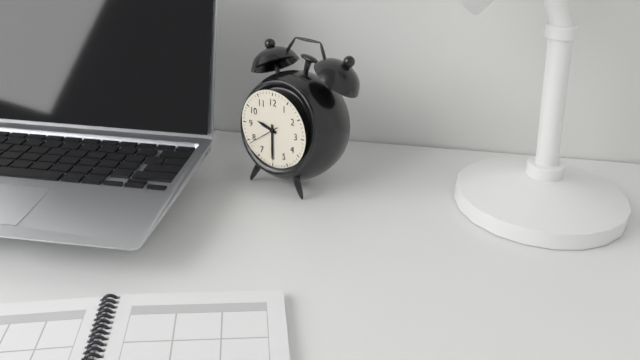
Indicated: 9 h 30 min
